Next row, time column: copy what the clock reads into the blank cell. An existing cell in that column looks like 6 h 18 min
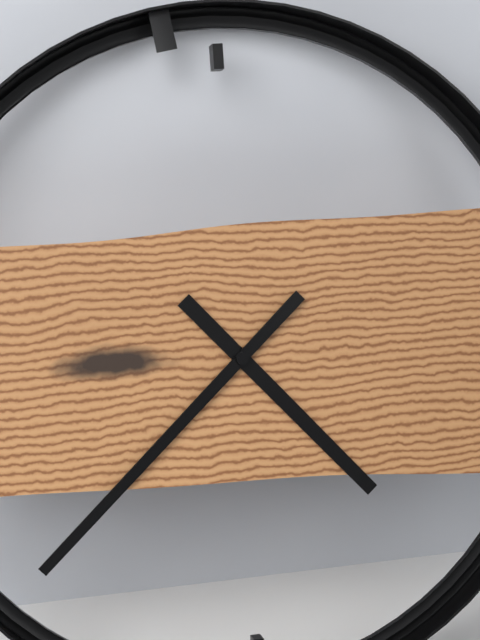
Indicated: 4 h 38 min
